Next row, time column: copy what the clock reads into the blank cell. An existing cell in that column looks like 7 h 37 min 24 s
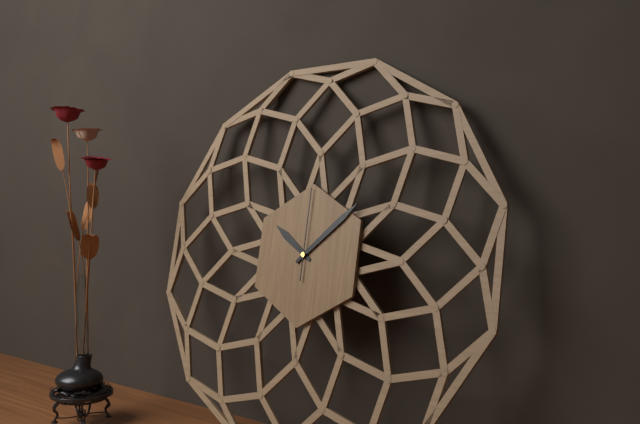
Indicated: 10 h 08 min 00 s
